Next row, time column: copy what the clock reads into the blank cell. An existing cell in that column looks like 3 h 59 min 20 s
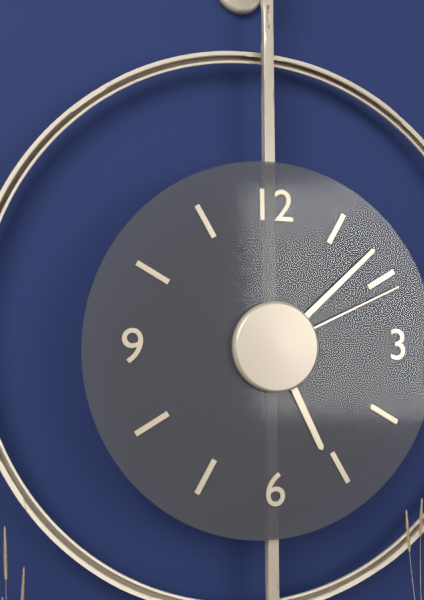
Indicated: 5 h 08 min 11 s
